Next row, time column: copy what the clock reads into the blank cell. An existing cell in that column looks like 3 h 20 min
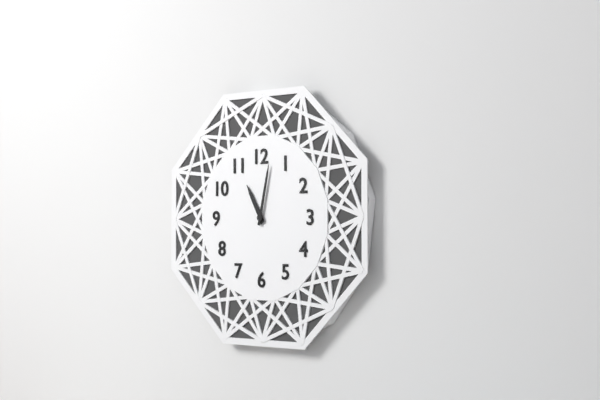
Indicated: 11 h 02 min
